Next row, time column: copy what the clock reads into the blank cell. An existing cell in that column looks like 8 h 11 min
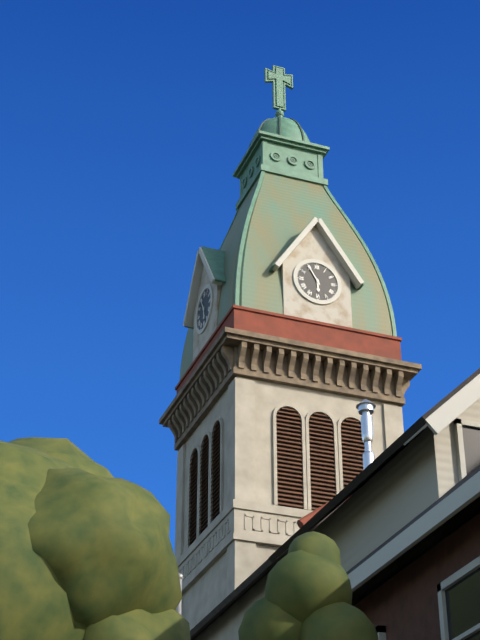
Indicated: 5 h 55 min
